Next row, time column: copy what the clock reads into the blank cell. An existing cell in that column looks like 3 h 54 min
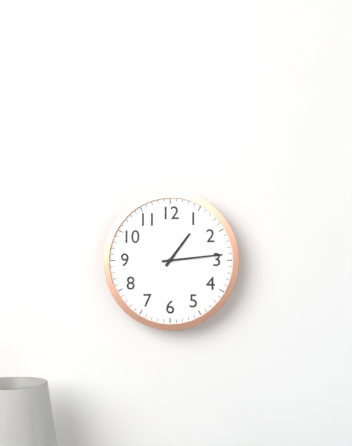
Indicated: 1 h 14 min
